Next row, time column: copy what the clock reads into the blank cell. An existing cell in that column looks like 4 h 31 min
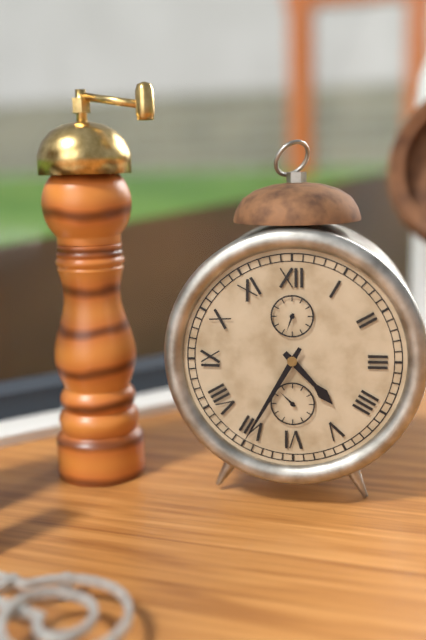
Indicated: 4 h 35 min
